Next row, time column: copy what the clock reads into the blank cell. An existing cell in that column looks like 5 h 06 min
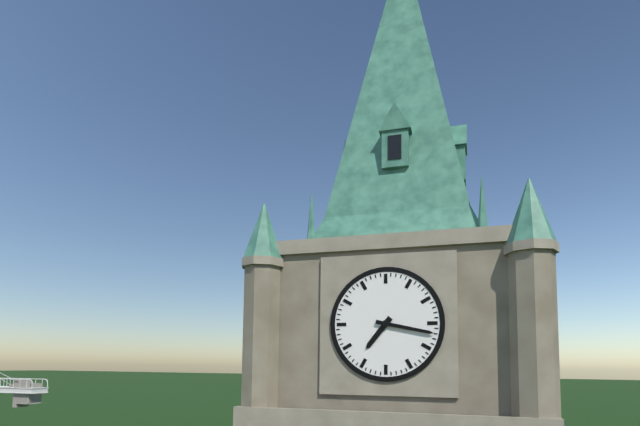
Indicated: 7 h 17 min
